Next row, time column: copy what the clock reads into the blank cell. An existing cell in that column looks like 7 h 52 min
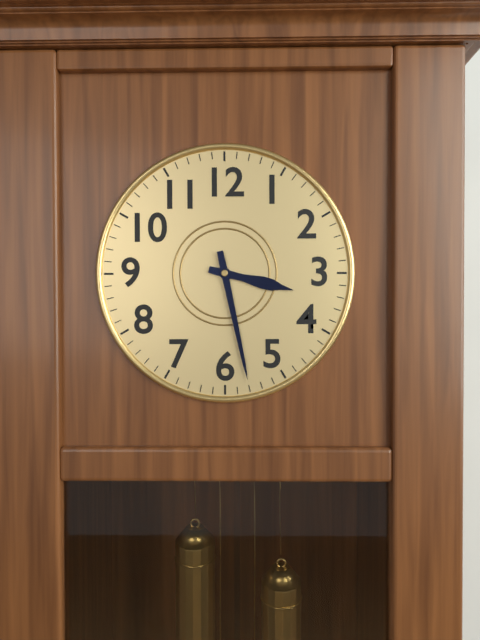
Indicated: 3 h 28 min
